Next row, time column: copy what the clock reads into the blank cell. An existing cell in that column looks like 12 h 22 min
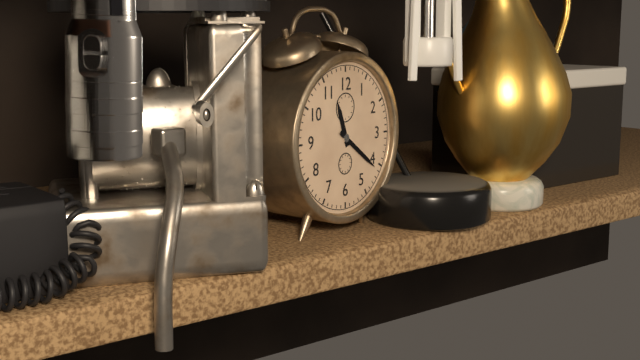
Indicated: 11 h 21 min
